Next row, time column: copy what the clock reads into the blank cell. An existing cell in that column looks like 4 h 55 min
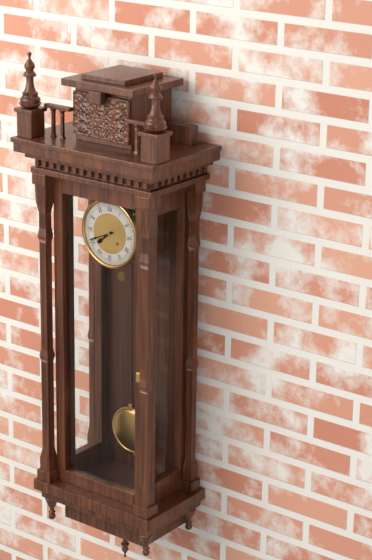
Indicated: 7 h 41 min
